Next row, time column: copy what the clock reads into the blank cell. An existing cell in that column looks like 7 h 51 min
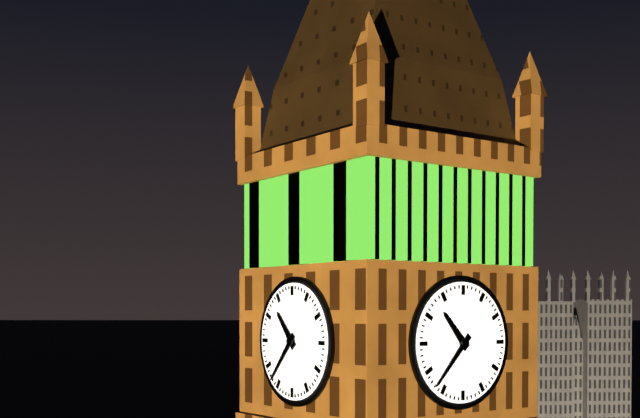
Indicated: 10 h 37 min
